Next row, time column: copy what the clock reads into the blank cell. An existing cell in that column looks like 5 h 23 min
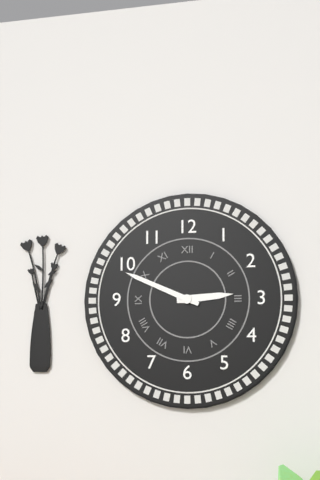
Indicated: 2 h 49 min
